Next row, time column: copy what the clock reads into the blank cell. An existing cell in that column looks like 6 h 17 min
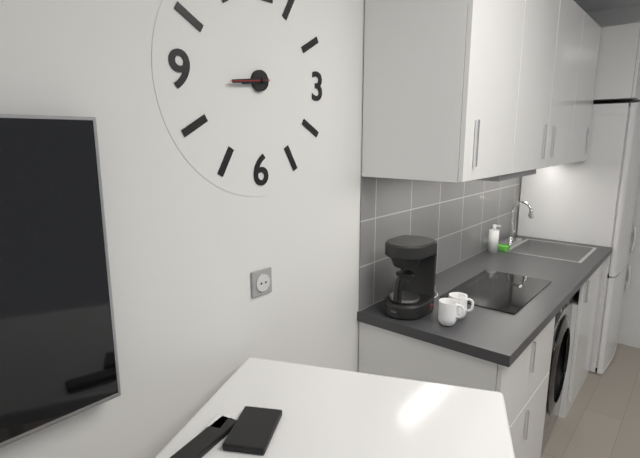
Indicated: 8 h 44 min
